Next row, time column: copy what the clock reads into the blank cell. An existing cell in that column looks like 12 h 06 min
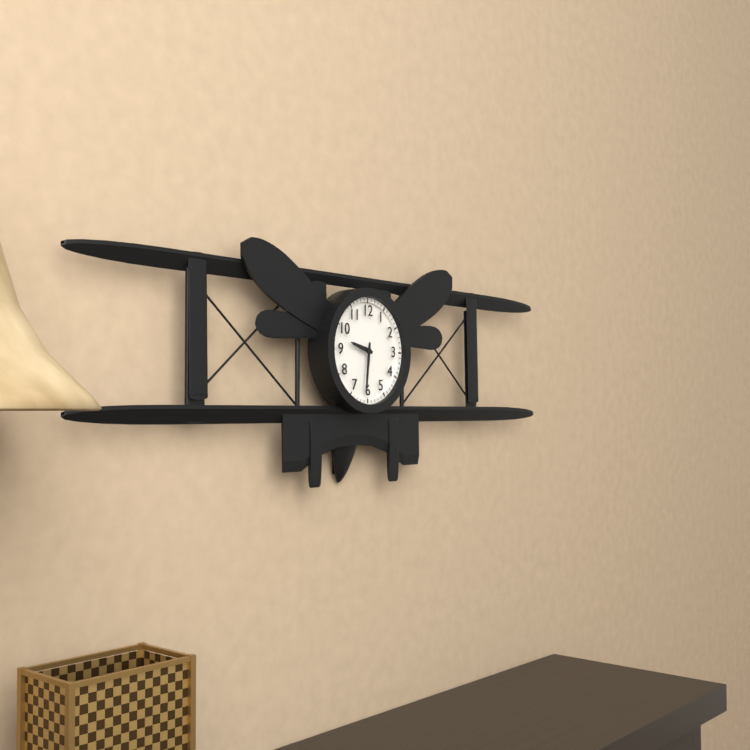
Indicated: 9 h 31 min
